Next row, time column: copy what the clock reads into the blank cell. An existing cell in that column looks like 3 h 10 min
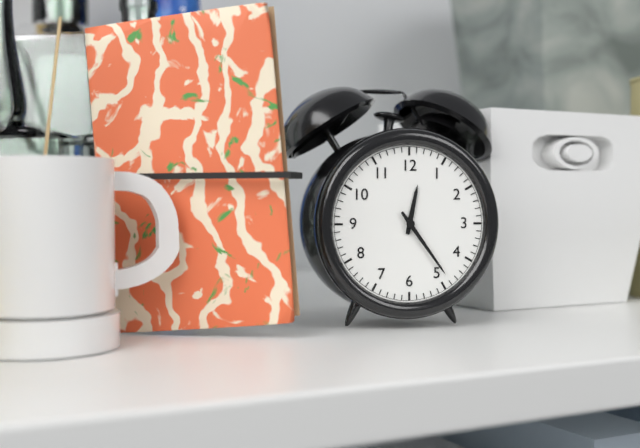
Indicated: 12 h 24 min
